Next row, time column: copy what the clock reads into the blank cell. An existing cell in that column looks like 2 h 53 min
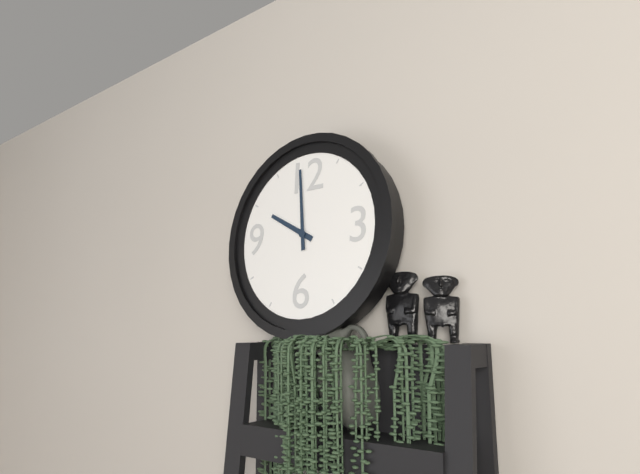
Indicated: 9 h 59 min
